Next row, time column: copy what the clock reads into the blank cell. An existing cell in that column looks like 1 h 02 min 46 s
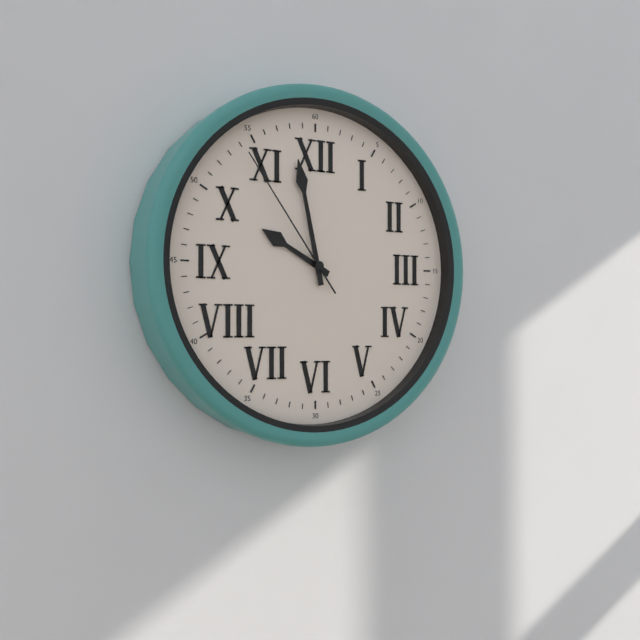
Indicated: 9 h 58 min 54 s
